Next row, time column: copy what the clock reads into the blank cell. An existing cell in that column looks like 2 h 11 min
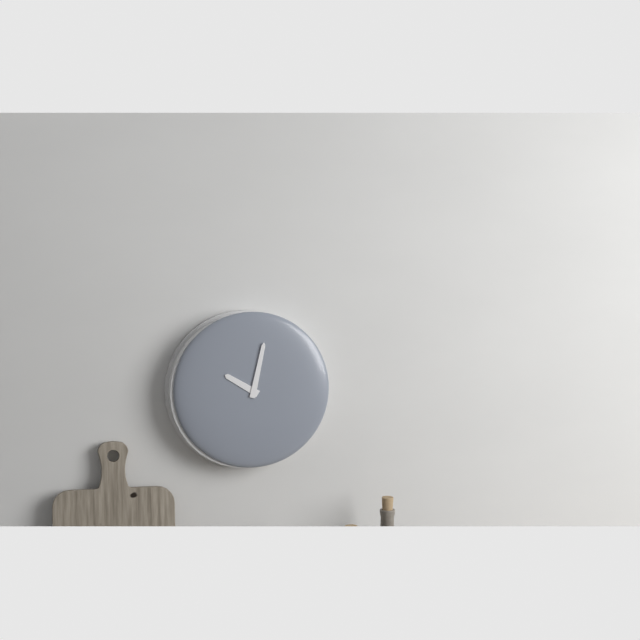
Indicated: 10 h 02 min
